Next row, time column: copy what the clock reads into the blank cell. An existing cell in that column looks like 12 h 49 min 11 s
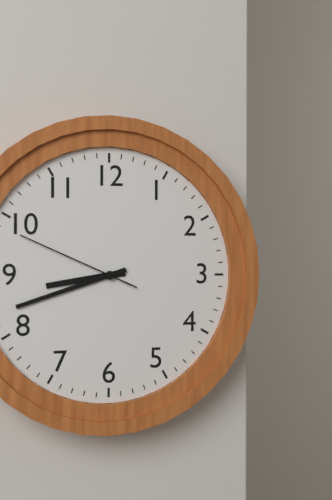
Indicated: 8 h 42 min 49 s
